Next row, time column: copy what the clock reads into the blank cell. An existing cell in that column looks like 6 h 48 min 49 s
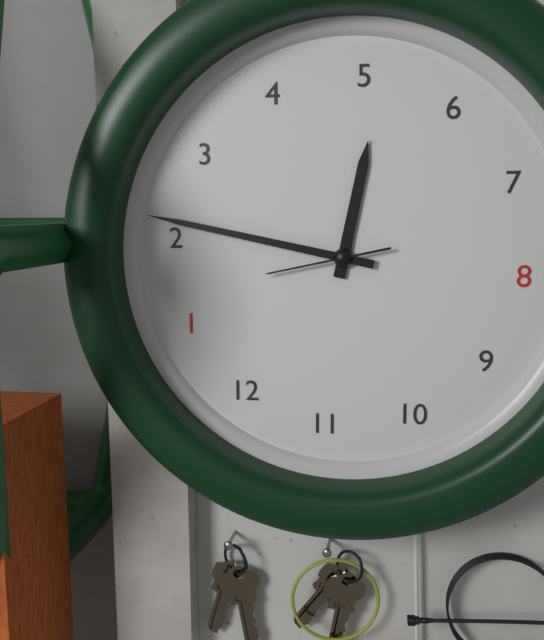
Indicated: 5 h 11 min 07 s
